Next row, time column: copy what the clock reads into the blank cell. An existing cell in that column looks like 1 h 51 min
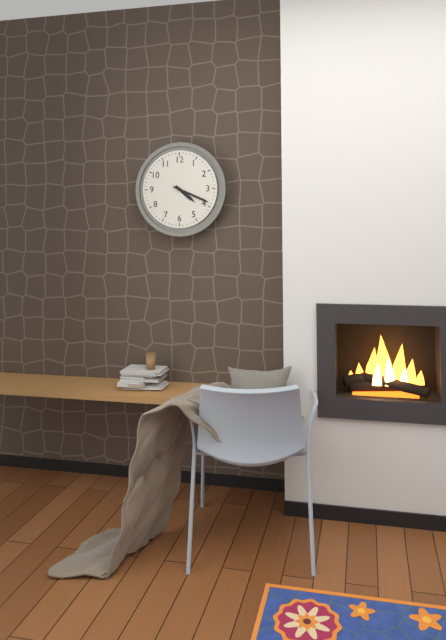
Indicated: 4 h 19 min
